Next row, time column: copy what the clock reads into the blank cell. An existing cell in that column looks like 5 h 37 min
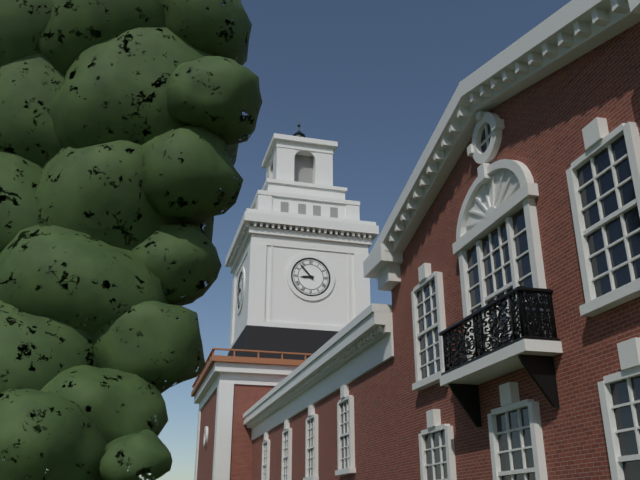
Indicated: 8 h 53 min
